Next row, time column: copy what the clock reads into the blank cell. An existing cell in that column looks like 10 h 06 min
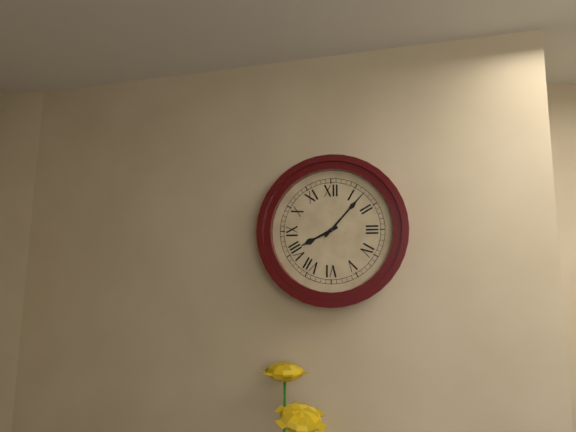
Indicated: 8 h 07 min
